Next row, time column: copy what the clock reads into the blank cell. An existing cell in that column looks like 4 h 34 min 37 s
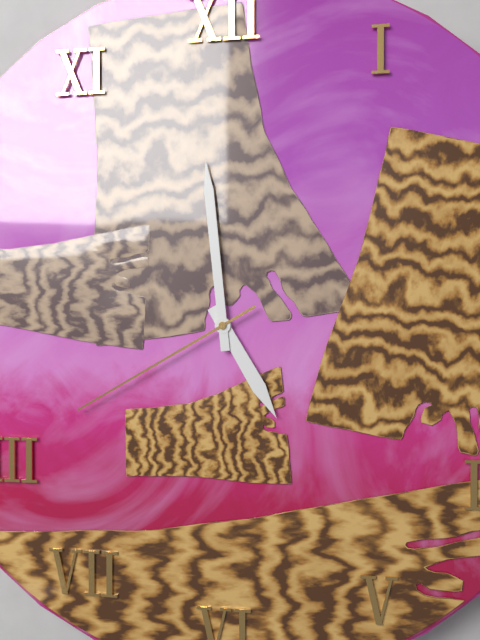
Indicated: 4 h 59 min 40 s
